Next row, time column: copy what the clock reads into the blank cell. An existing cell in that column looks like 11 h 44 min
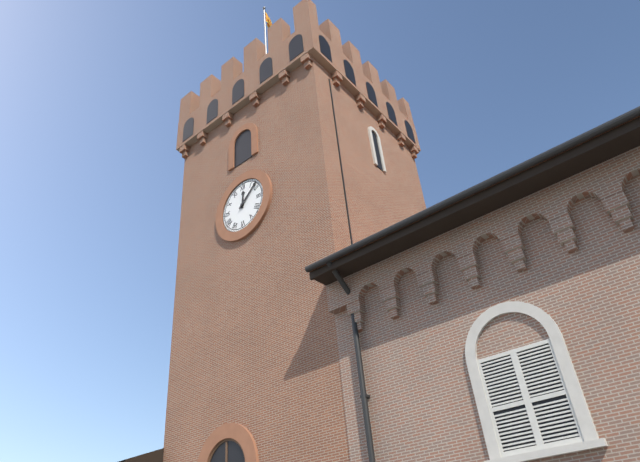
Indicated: 12 h 08 min
